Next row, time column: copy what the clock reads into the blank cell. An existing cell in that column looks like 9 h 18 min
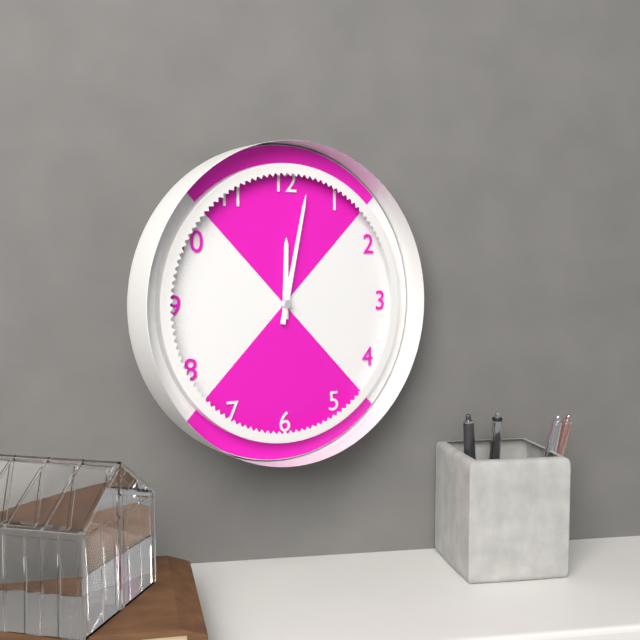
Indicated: 12 h 02 min
